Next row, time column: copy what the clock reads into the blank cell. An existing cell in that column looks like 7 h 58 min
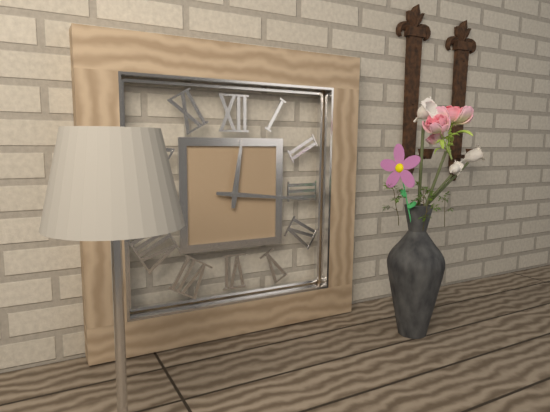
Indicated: 12 h 16 min
